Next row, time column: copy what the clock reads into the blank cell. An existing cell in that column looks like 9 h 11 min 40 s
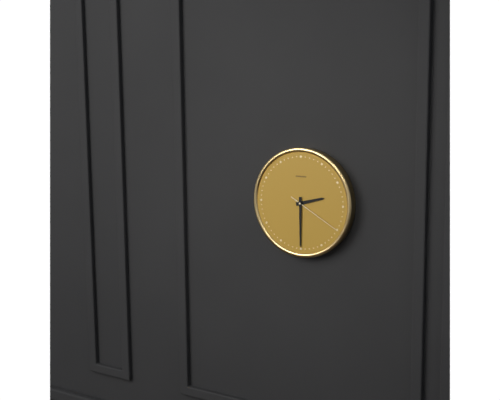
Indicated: 2 h 30 min 20 s
